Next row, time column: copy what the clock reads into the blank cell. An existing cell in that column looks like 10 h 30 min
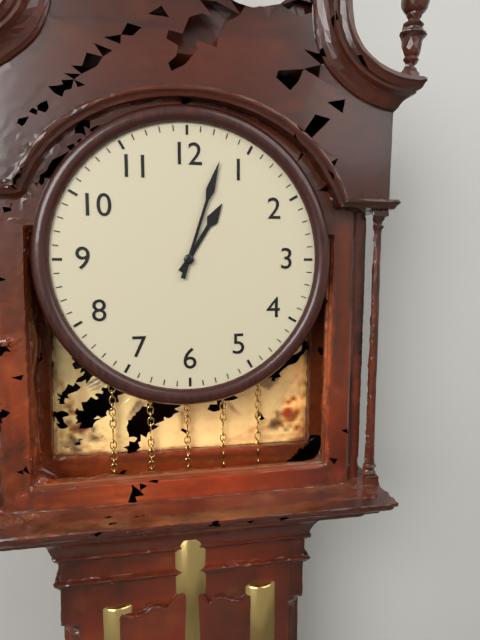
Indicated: 1 h 03 min
